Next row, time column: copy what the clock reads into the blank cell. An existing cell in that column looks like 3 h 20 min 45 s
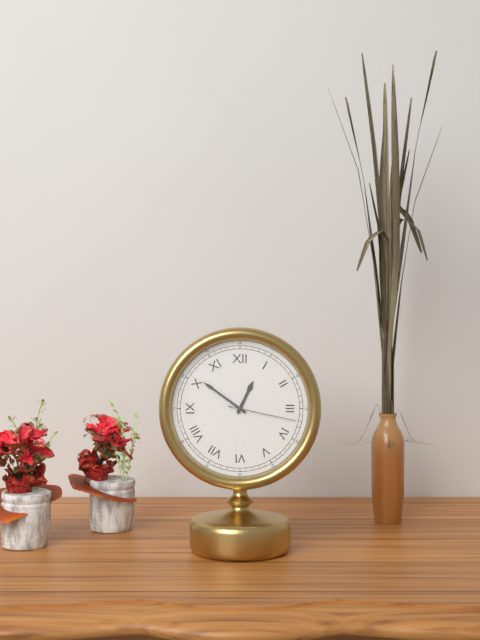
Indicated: 12 h 51 min 17 s
